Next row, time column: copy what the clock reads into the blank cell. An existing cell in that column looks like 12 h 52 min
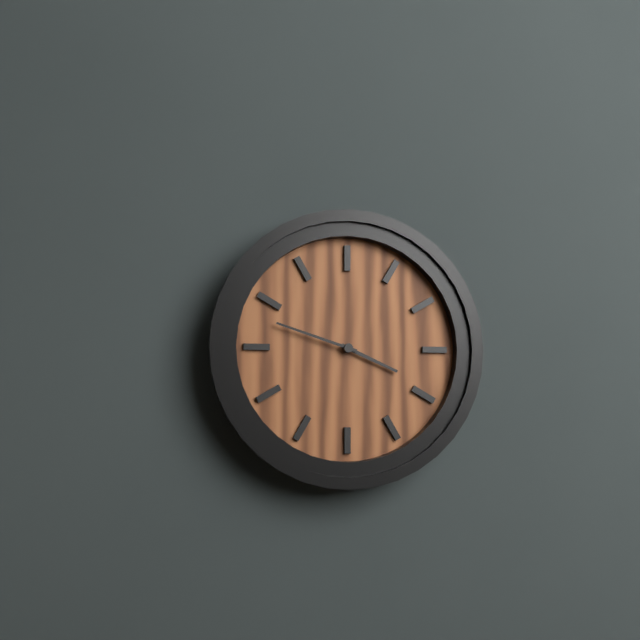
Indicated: 3 h 48 min
